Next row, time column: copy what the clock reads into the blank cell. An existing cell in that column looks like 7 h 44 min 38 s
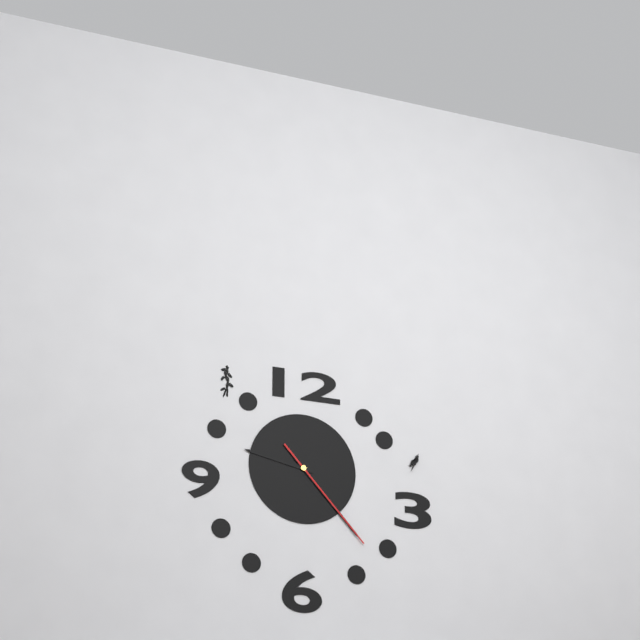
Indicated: 9 h 23 min 23 s
